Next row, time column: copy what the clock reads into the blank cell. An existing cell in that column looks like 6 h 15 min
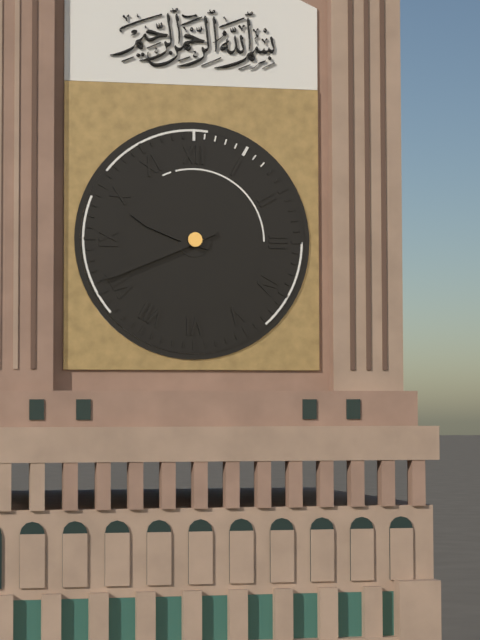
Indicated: 9 h 41 min
